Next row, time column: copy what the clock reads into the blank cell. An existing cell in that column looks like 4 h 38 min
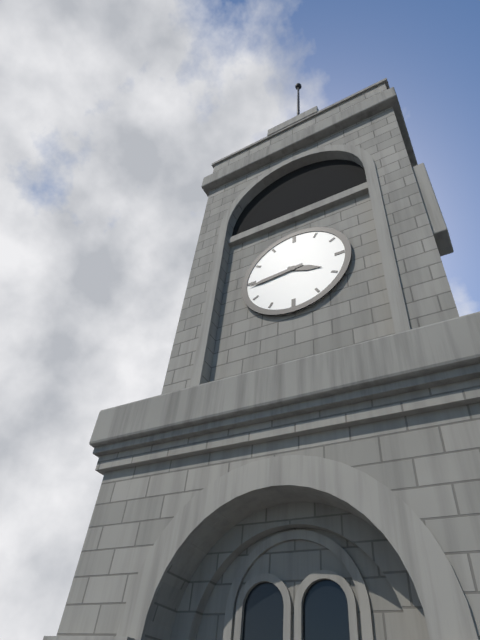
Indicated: 3 h 44 min
